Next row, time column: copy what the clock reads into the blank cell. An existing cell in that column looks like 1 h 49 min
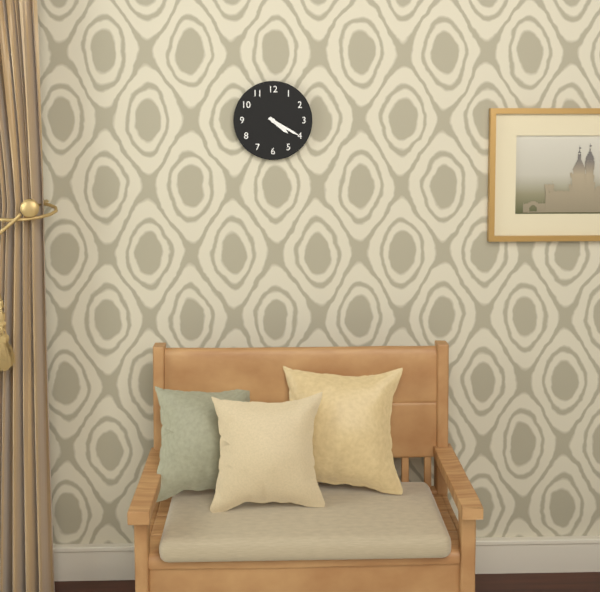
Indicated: 4 h 20 min
